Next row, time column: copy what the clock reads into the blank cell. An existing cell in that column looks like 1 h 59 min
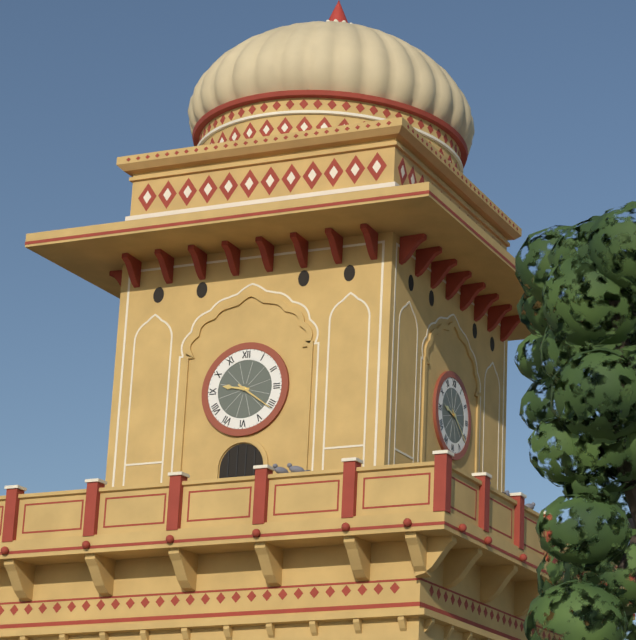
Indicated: 9 h 21 min
